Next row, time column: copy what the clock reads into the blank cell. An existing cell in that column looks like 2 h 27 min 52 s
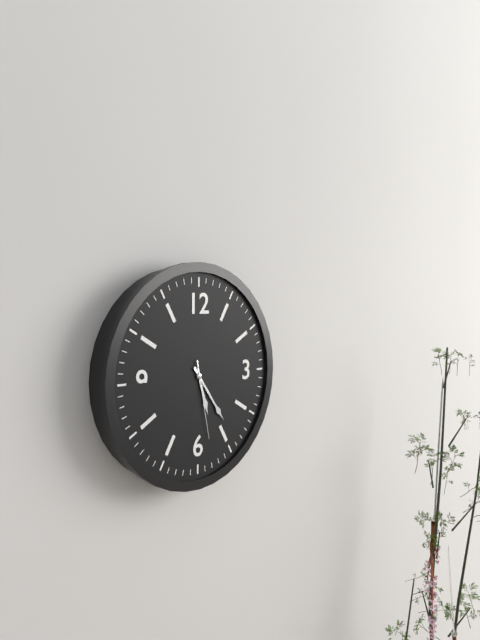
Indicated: 5 h 24 min 28 s
